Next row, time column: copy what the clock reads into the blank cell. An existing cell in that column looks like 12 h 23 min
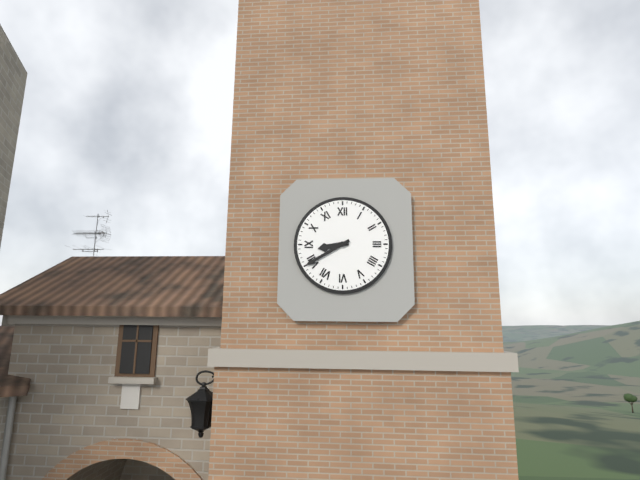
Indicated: 8 h 40 min
